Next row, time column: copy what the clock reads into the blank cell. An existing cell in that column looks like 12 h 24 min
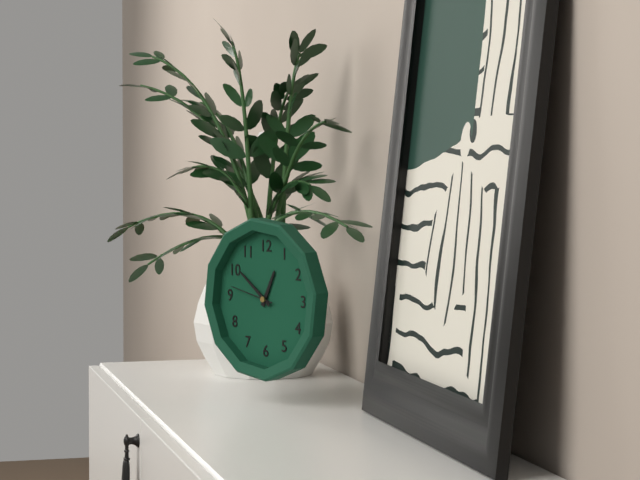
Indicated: 12 h 51 min
